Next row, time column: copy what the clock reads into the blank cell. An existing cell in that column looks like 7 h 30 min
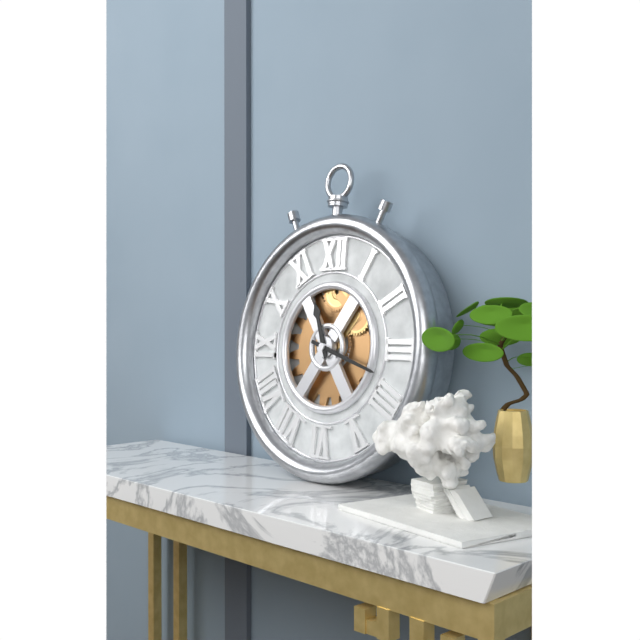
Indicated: 11 h 18 min
